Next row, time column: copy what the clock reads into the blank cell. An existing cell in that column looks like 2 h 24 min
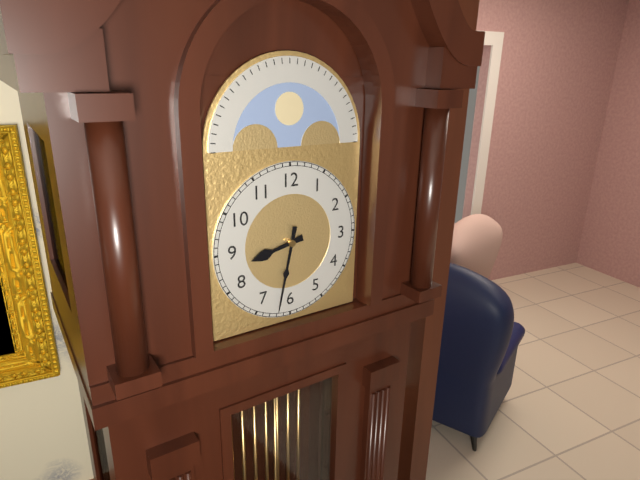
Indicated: 8 h 32 min
